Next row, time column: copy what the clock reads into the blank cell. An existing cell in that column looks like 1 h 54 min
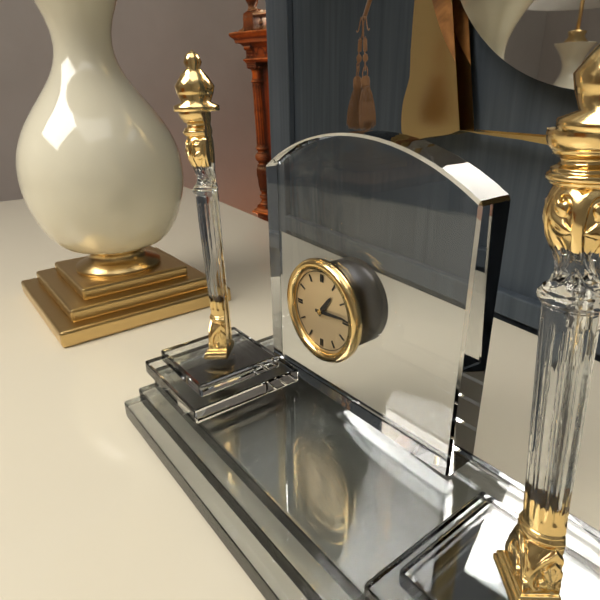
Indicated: 1 h 14 min
